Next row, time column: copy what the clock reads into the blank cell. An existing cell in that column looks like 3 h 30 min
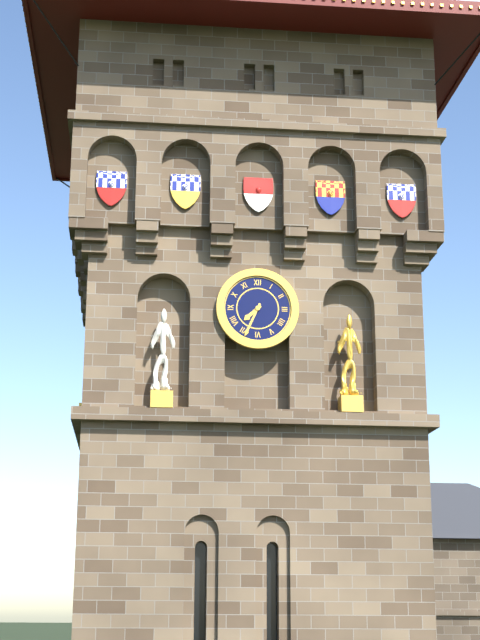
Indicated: 7 h 34 min
